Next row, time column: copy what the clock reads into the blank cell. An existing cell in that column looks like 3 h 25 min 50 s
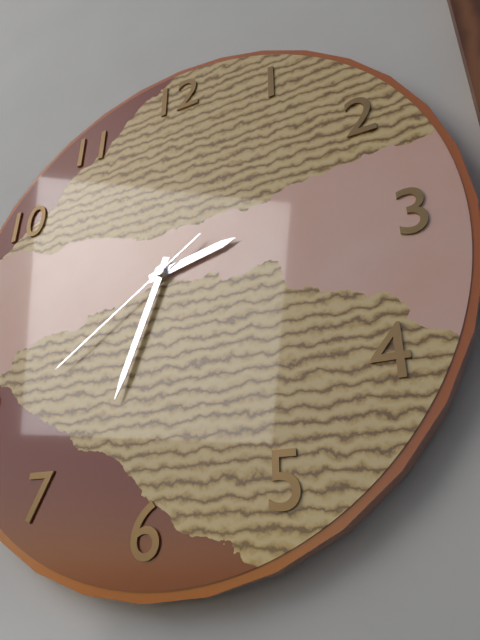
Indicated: 2 h 33 min 39 s
